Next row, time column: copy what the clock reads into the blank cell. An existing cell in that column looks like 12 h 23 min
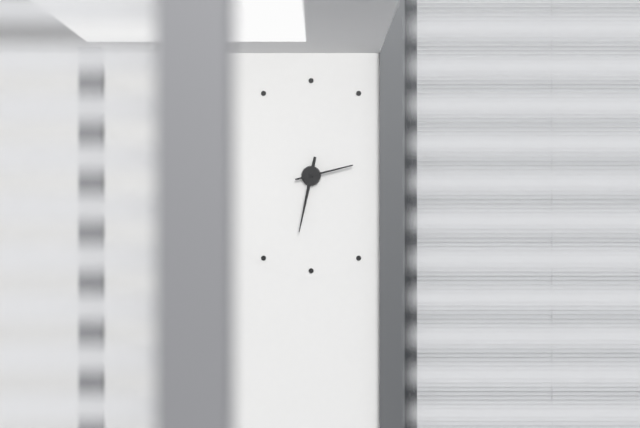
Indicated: 2 h 32 min
